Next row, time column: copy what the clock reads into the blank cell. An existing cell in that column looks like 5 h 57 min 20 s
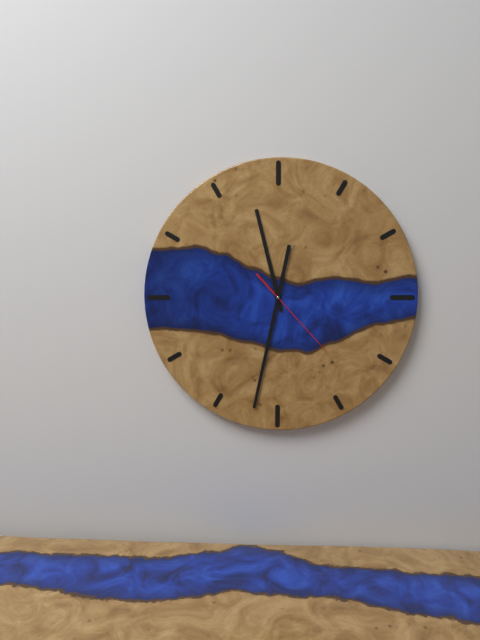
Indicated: 11 h 32 min 23 s
